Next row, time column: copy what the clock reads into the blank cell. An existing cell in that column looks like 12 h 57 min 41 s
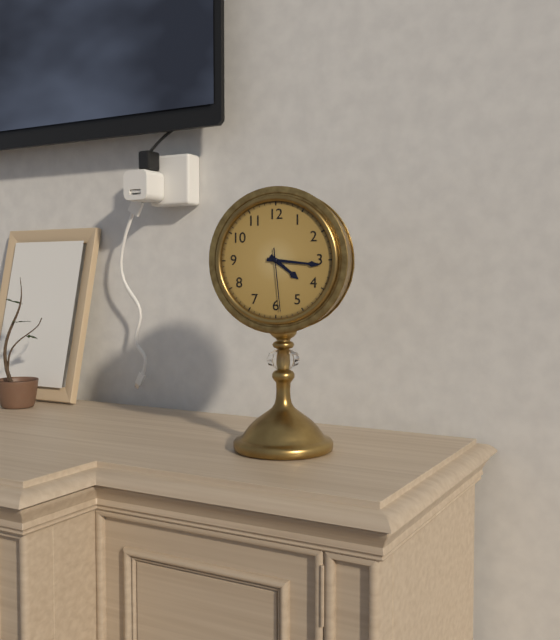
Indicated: 4 h 16 min 29 s
